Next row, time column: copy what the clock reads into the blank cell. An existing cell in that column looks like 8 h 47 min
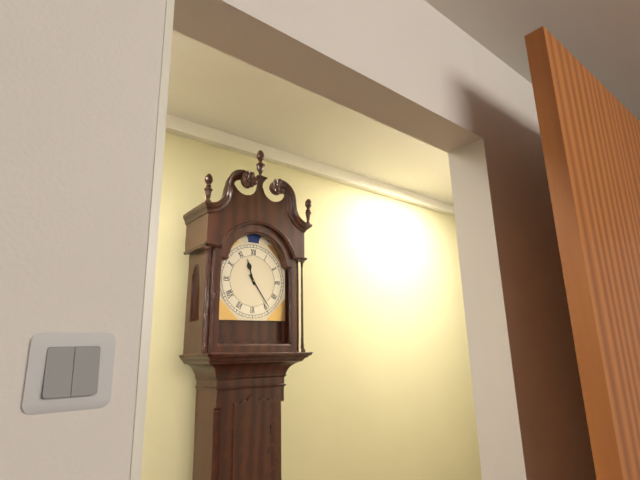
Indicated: 11 h 24 min
